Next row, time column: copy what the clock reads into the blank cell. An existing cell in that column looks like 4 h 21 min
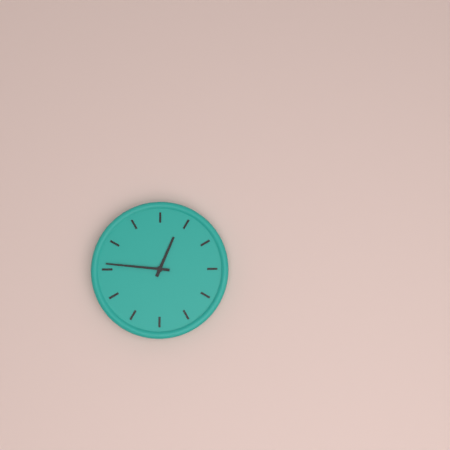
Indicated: 12 h 46 min
